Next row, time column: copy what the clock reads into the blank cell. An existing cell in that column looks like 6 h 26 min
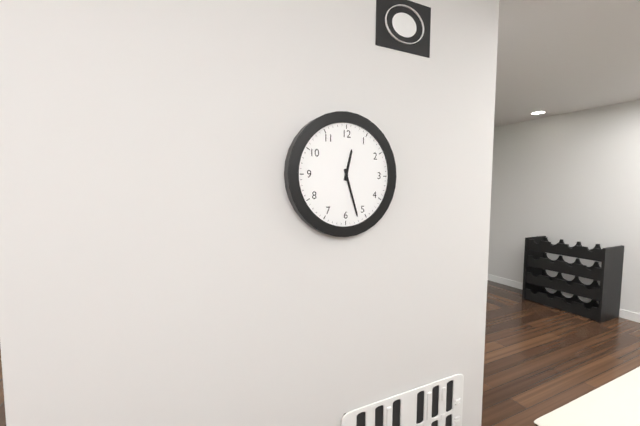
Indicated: 12 h 27 min
